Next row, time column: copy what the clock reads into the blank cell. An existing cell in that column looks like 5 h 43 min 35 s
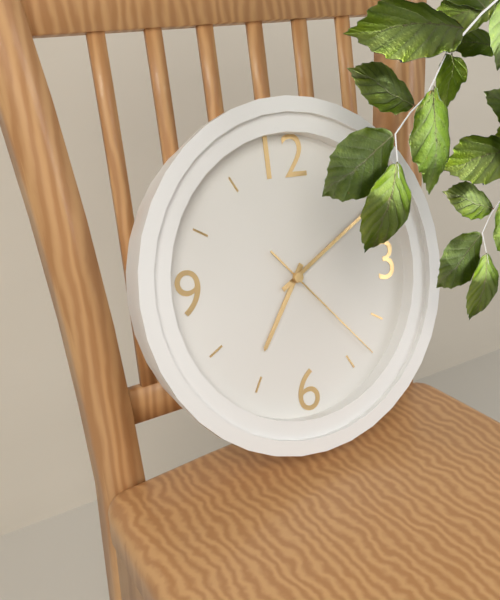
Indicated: 7 h 10 min 23 s
